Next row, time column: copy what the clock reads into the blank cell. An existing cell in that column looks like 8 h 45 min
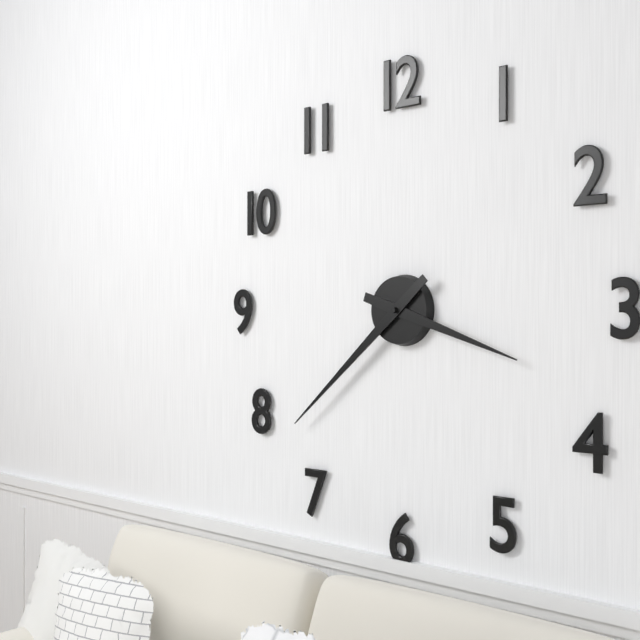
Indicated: 3 h 38 min
